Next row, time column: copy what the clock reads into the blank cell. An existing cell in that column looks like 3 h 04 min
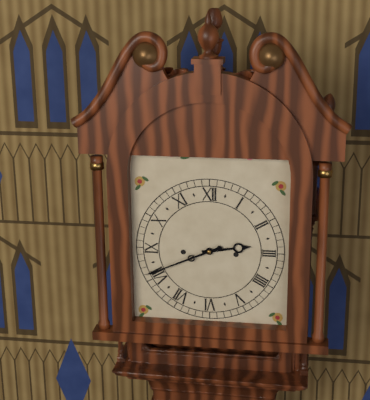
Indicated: 2 h 41 min
